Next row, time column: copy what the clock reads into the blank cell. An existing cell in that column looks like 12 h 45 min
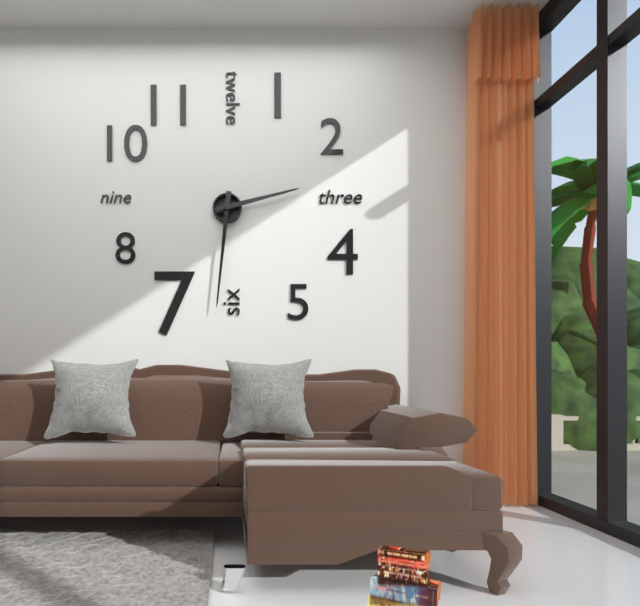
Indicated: 2 h 31 min
